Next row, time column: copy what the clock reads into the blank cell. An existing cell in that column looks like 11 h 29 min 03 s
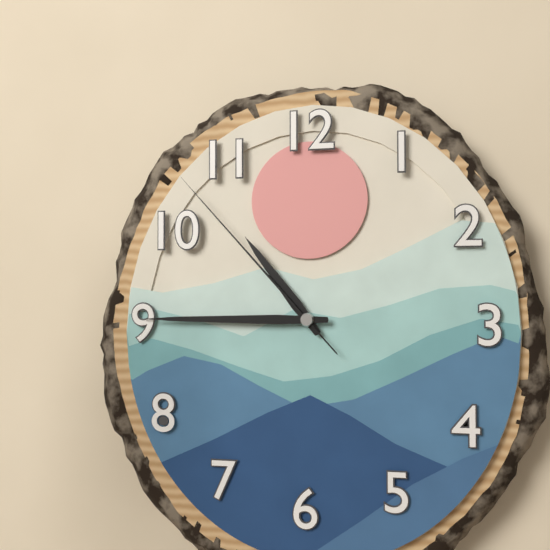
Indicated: 10 h 45 min 53 s
